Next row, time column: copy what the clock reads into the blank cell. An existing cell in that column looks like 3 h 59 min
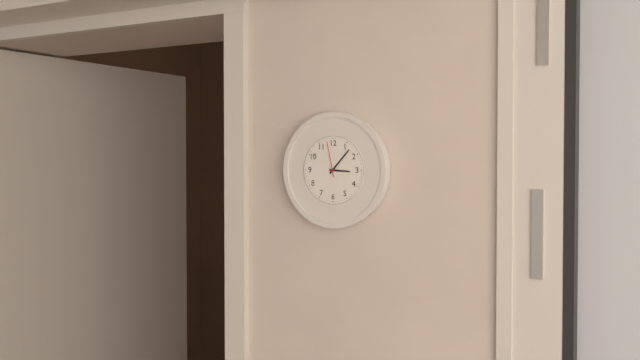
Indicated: 3 h 07 min
